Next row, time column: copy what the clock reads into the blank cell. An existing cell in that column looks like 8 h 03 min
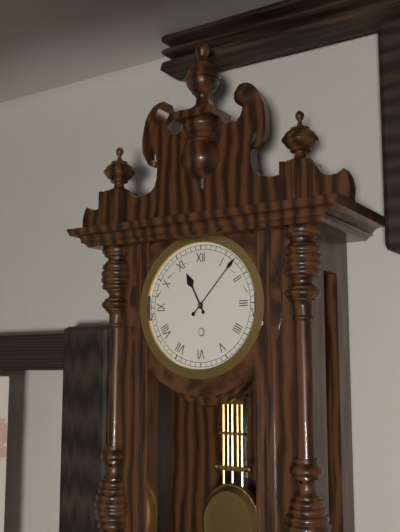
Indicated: 11 h 07 min
